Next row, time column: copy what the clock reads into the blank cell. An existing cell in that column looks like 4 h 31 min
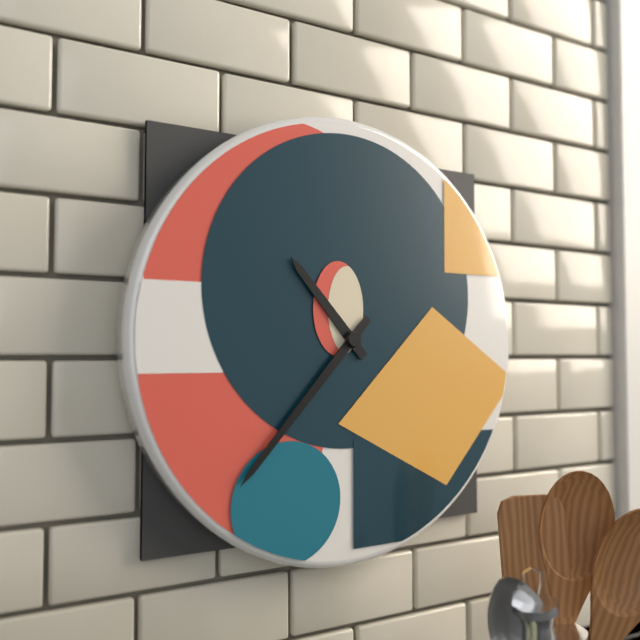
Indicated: 10 h 37 min
